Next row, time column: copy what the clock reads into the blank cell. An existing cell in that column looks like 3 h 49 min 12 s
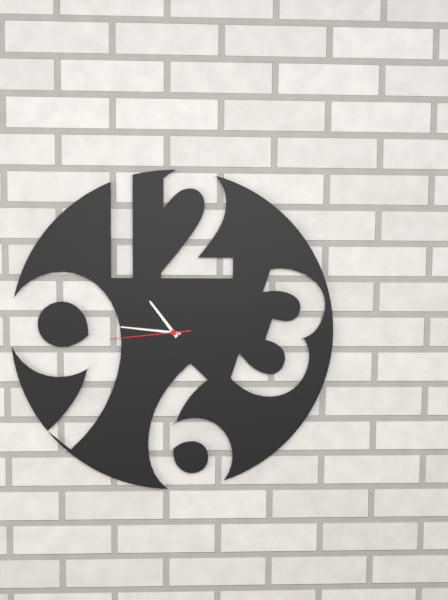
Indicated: 10 h 46 min 44 s
